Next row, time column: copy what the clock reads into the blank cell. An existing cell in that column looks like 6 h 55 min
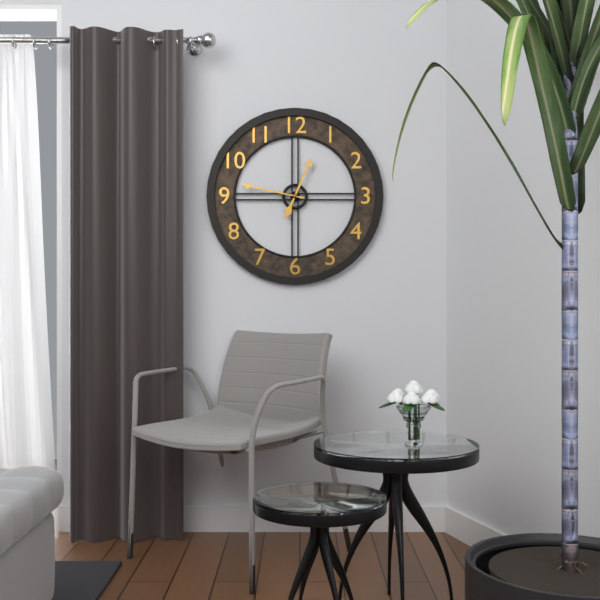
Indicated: 12 h 47 min
